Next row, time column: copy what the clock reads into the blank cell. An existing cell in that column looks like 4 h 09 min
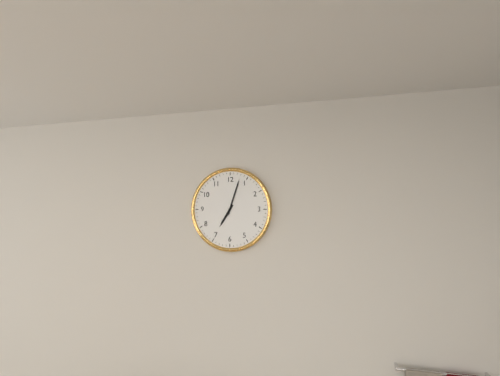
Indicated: 7 h 03 min
